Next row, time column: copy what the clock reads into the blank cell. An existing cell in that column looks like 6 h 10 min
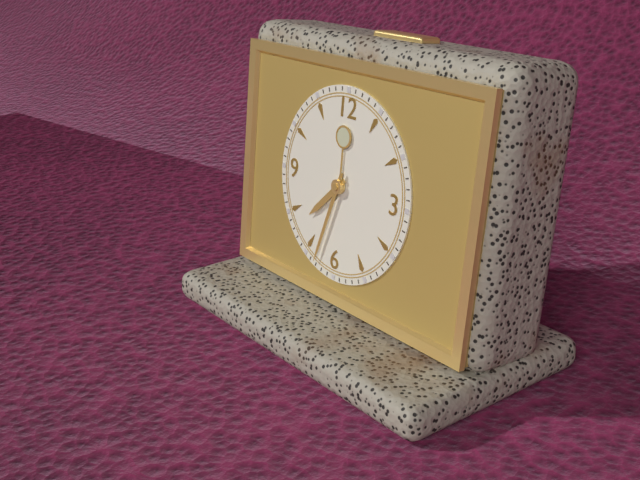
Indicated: 7 h 33 min
